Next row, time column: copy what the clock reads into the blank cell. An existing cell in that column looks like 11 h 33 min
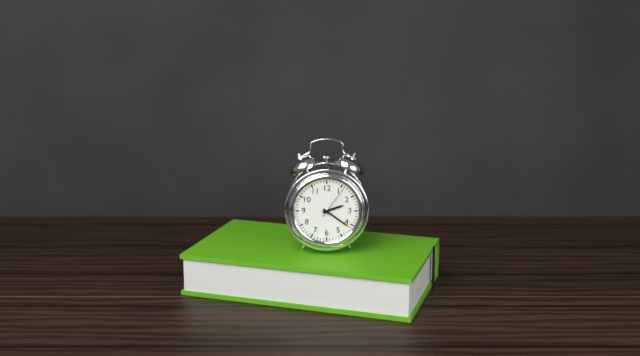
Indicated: 2 h 21 min
